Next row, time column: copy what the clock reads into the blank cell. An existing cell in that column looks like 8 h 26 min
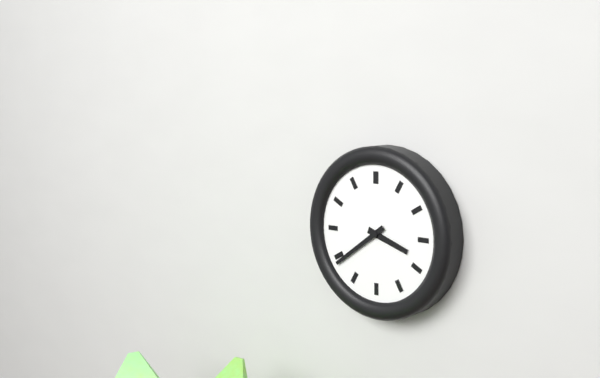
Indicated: 3 h 39 min
